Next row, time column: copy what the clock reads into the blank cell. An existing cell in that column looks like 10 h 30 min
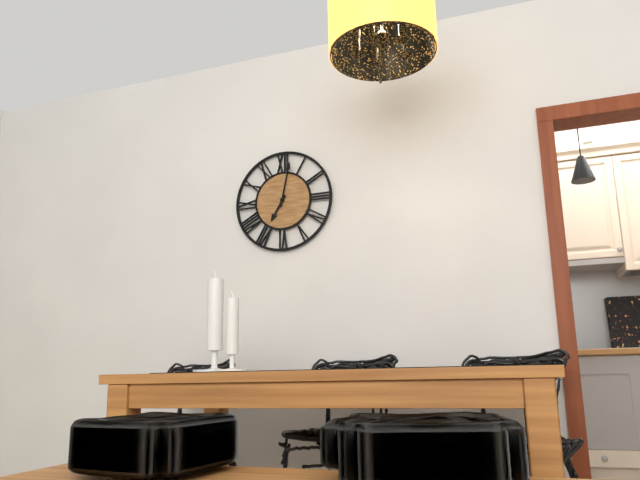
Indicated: 7 h 02 min
